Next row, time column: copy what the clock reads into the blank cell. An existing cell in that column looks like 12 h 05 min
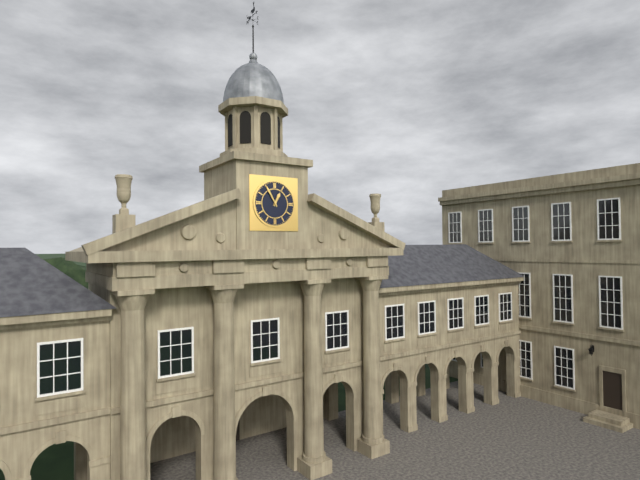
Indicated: 12 h 55 min
